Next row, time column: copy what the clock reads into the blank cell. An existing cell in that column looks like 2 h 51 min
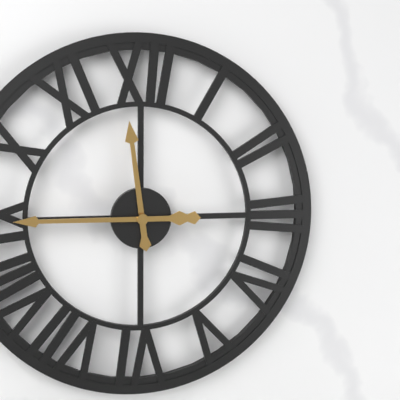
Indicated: 11 h 45 min
